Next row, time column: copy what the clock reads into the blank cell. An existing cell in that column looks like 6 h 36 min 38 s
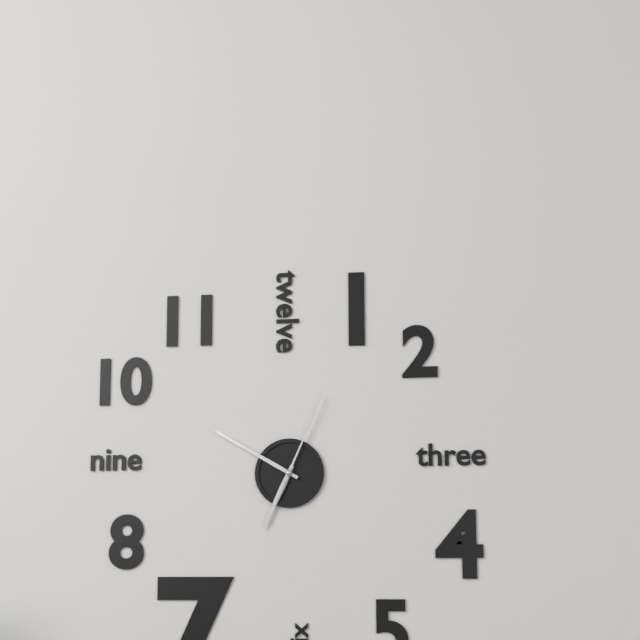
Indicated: 6 h 50 min 04 s
